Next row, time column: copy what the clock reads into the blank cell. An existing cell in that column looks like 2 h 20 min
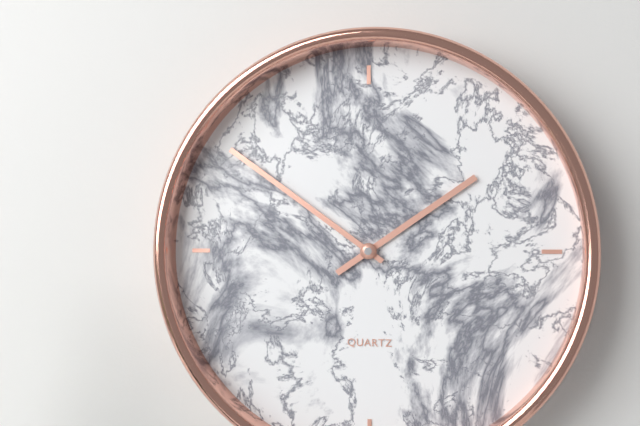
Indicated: 1 h 51 min
